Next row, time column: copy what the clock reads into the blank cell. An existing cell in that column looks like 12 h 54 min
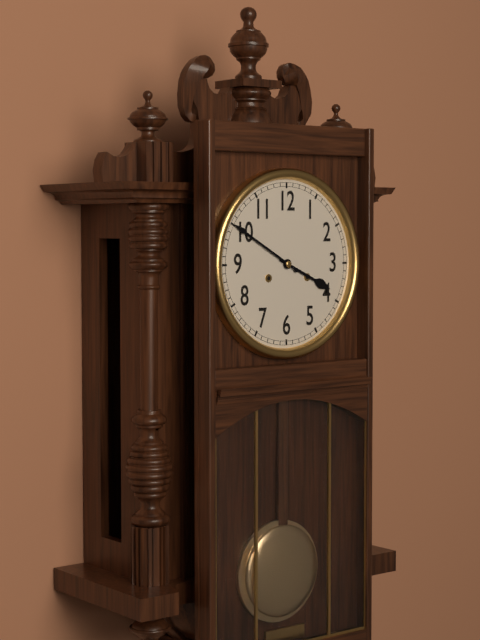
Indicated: 3 h 50 min
